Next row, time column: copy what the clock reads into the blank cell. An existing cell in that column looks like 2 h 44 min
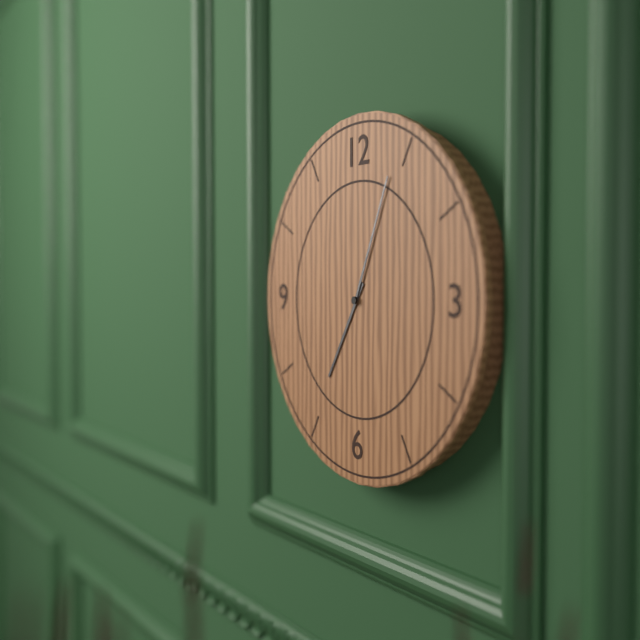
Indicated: 7 h 04 min
